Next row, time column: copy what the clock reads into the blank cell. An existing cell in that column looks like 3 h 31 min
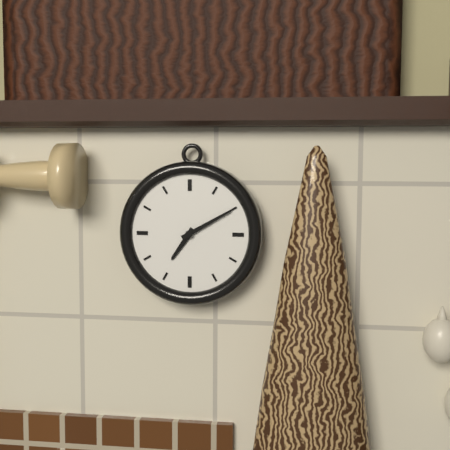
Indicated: 7 h 10 min
